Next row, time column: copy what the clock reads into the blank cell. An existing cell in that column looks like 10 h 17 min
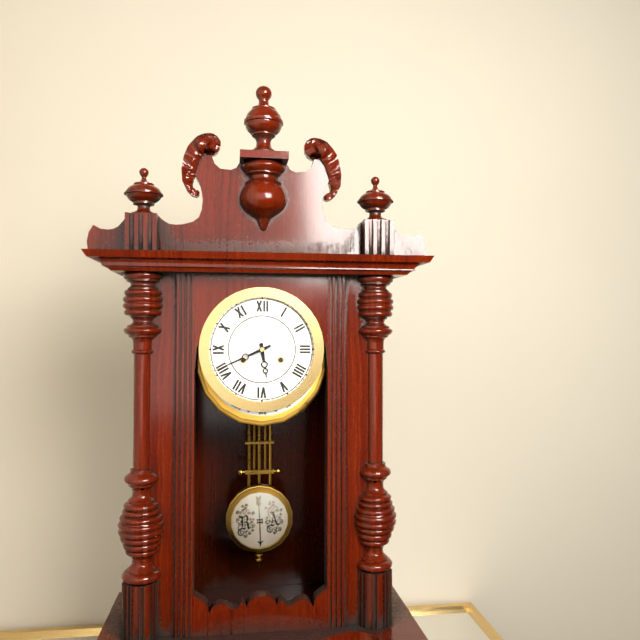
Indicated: 5 h 41 min
